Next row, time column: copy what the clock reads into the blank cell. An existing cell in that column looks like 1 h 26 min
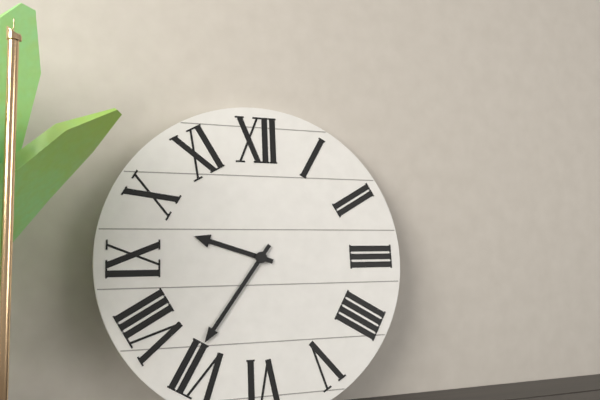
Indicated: 9 h 36 min
